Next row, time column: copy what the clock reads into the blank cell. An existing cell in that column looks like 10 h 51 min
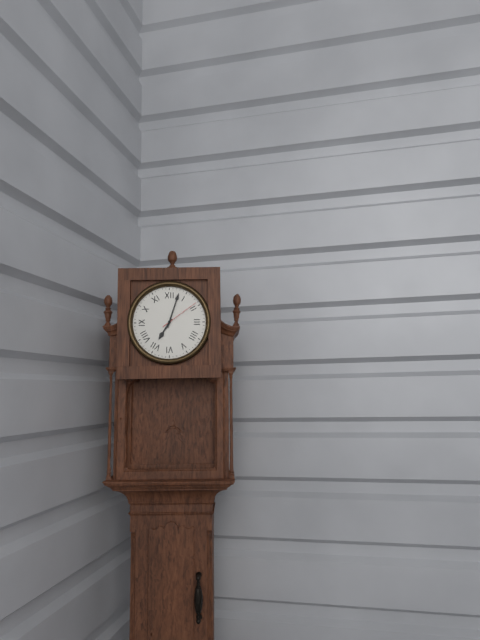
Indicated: 7 h 03 min
